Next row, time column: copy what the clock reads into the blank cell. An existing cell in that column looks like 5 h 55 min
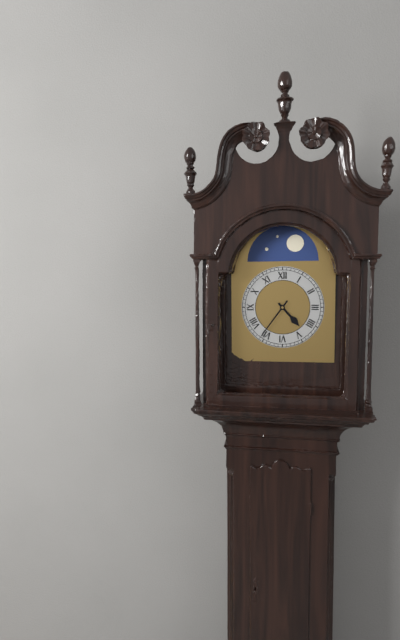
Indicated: 4 h 36 min
